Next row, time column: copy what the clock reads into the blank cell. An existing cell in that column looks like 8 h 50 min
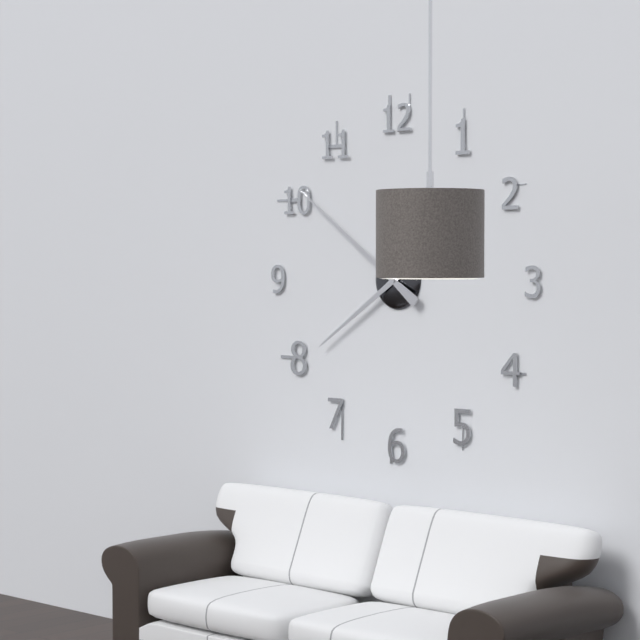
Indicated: 7 h 51 min
